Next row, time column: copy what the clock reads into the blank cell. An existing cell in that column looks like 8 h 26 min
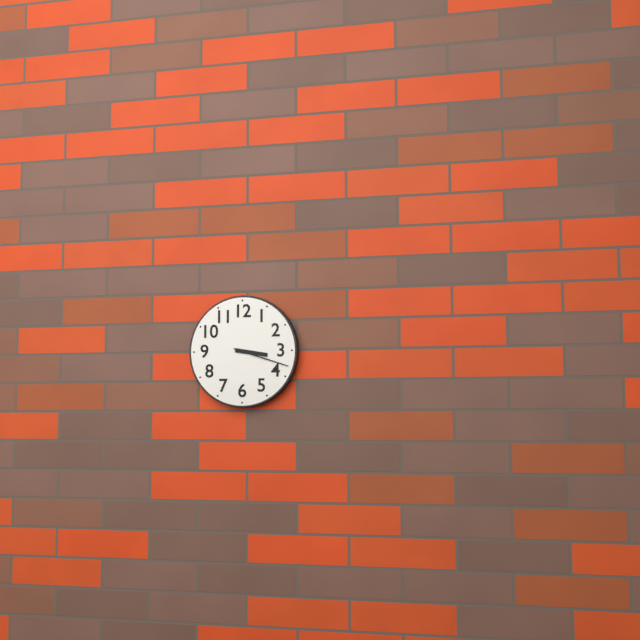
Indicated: 3 h 18 min
